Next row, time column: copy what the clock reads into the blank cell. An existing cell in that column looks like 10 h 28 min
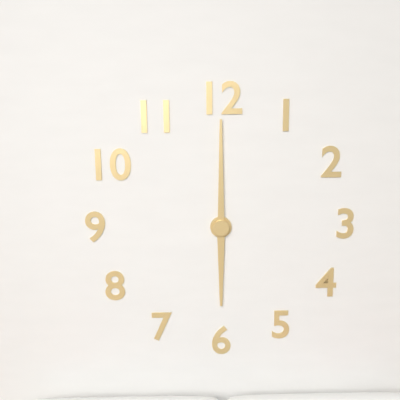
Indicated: 6 h 00 min
